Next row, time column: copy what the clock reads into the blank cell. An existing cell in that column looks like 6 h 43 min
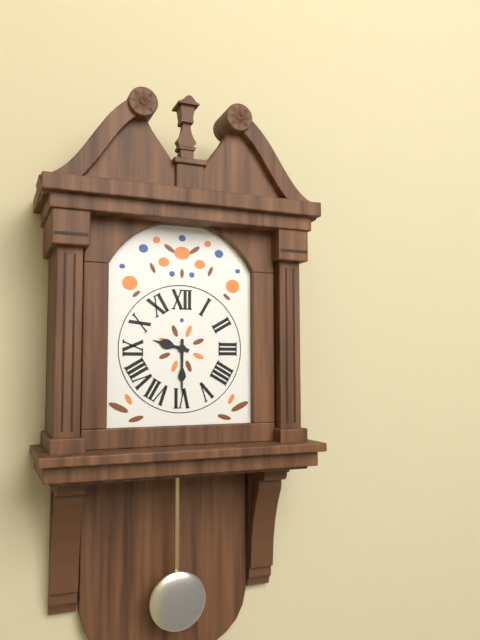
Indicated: 9 h 30 min
